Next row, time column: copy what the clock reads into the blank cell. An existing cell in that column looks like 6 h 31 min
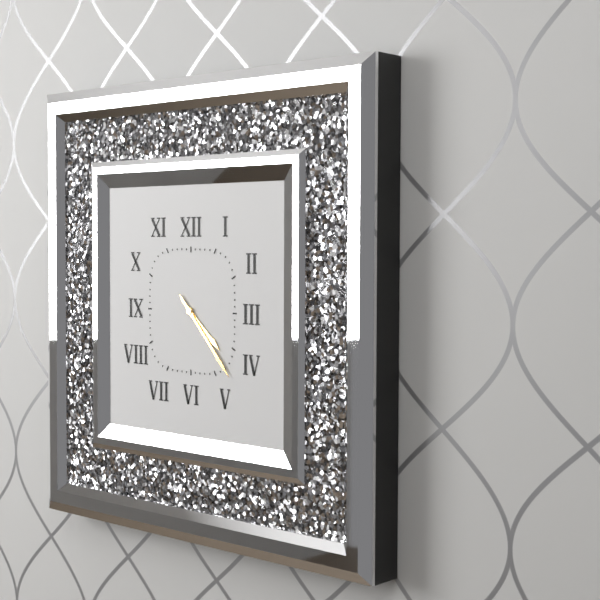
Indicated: 4 h 23 min
